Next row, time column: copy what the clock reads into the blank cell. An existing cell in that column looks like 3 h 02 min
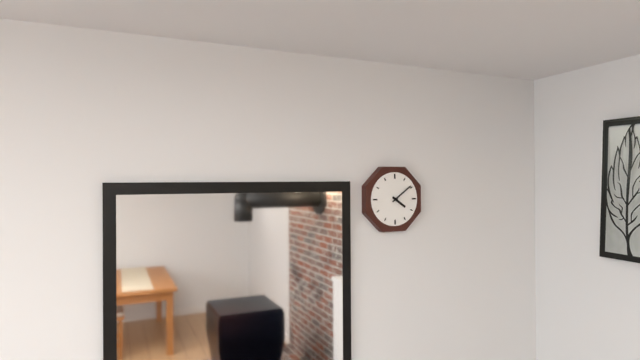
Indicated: 4 h 09 min
